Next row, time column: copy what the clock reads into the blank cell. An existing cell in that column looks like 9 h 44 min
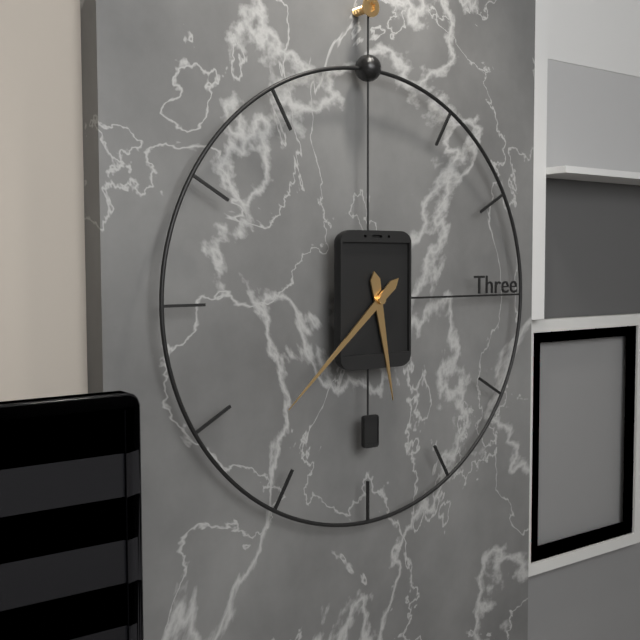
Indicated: 5 h 38 min
